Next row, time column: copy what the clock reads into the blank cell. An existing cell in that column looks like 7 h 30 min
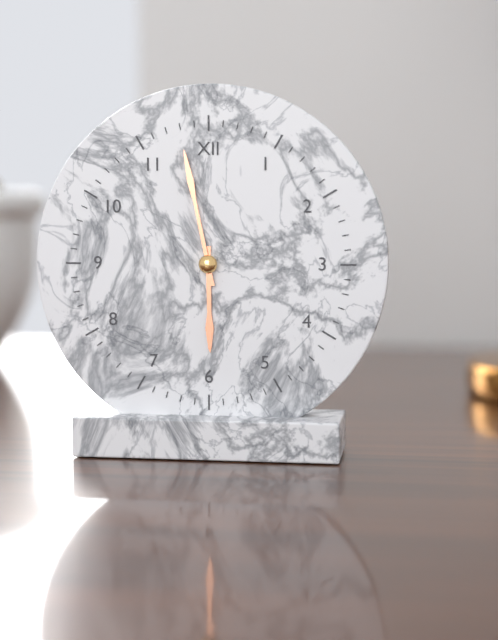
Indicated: 5 h 58 min
